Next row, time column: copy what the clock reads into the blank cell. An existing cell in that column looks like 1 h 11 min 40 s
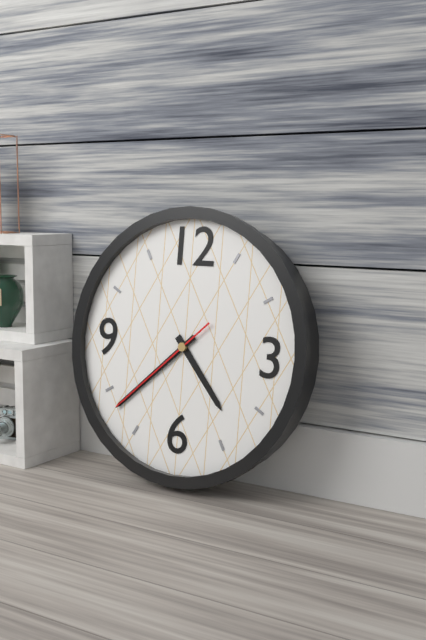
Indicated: 4 h 38 min 38 s
